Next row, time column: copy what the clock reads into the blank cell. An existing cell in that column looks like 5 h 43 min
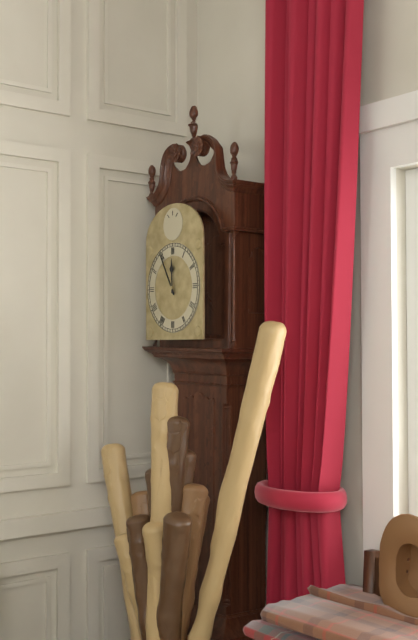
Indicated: 11 h 55 min
